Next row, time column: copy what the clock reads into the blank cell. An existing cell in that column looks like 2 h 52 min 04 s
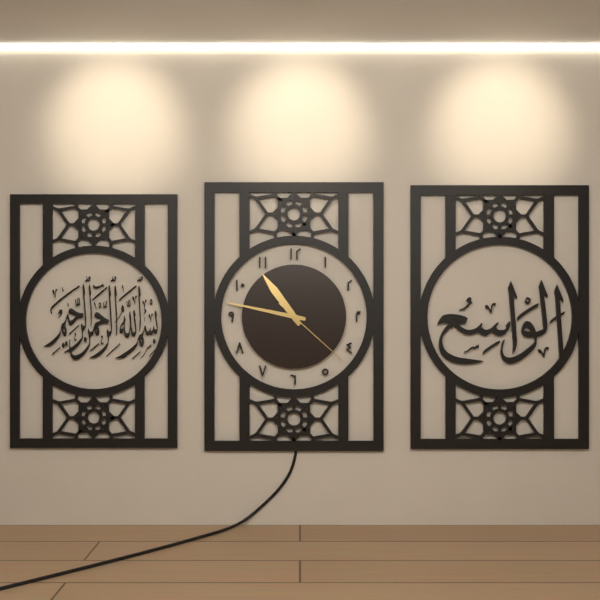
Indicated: 10 h 47 min 22 s
